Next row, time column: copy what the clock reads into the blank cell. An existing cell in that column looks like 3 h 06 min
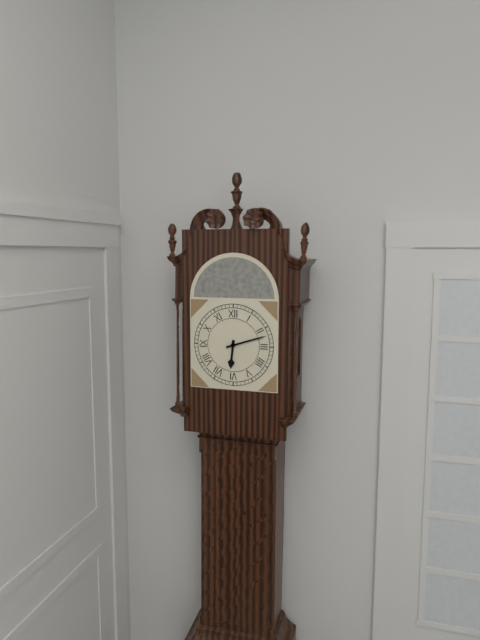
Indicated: 6 h 12 min
